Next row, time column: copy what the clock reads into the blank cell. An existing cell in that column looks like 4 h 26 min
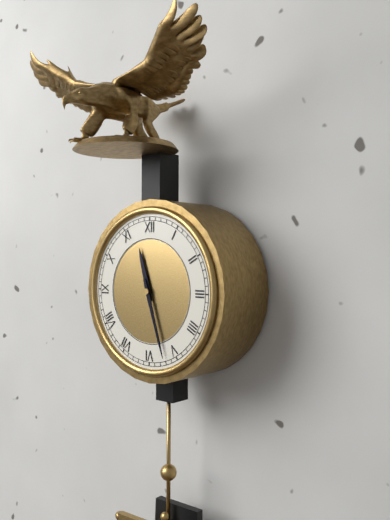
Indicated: 11 h 27 min
